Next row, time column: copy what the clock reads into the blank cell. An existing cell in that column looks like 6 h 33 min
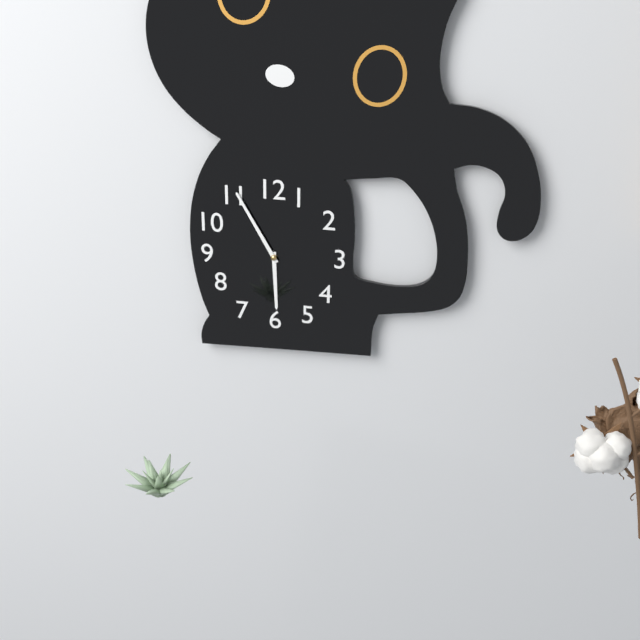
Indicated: 5 h 55 min
